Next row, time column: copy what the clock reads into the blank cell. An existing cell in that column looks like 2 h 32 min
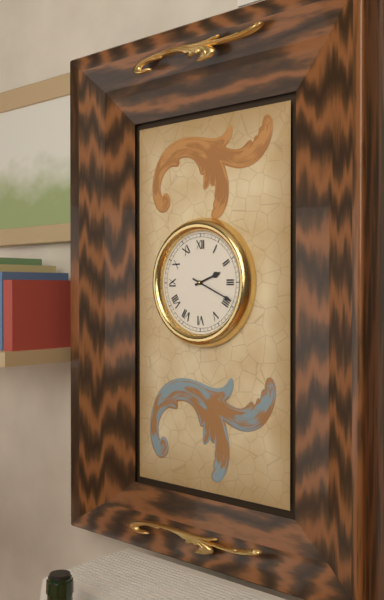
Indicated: 2 h 19 min
